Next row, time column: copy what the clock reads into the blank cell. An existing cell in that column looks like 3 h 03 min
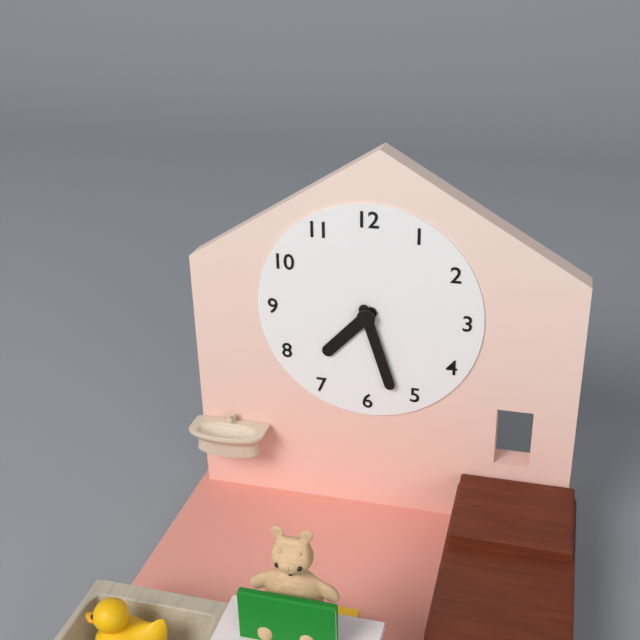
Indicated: 7 h 27 min
